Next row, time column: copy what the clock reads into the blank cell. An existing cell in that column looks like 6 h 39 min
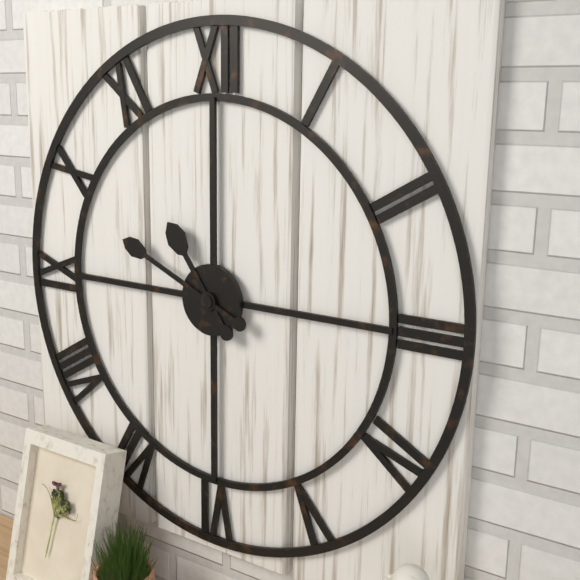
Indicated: 10 h 49 min
